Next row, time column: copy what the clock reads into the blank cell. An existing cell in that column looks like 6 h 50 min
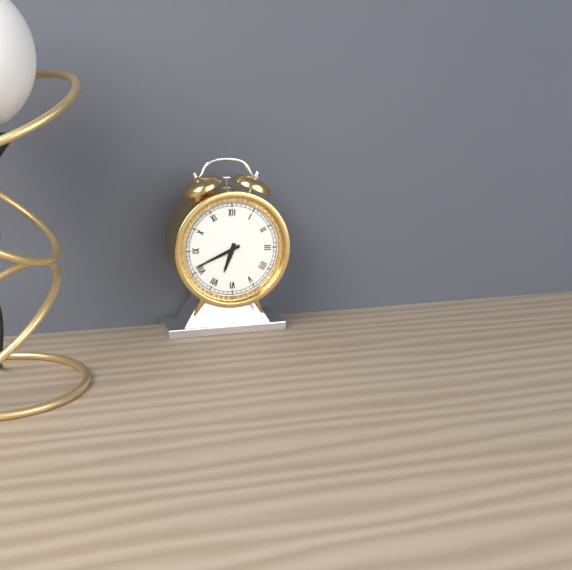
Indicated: 6 h 41 min
